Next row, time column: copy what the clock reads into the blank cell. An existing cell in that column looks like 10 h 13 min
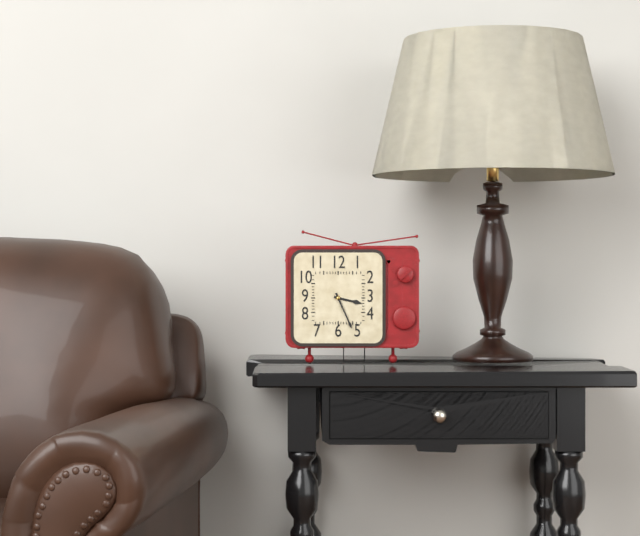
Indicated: 3 h 26 min
